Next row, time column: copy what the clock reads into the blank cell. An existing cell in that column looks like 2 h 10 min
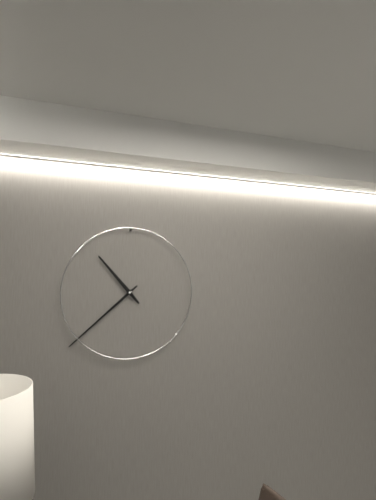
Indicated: 10 h 38 min
